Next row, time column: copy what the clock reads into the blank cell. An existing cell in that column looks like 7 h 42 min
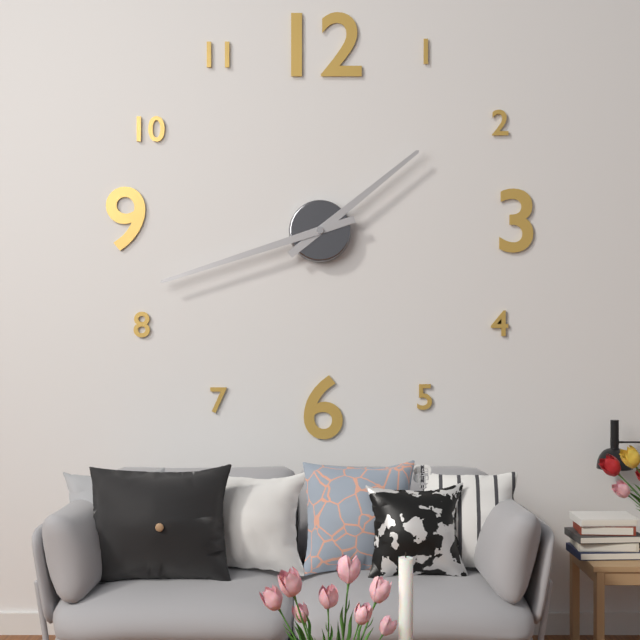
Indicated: 1 h 42 min
